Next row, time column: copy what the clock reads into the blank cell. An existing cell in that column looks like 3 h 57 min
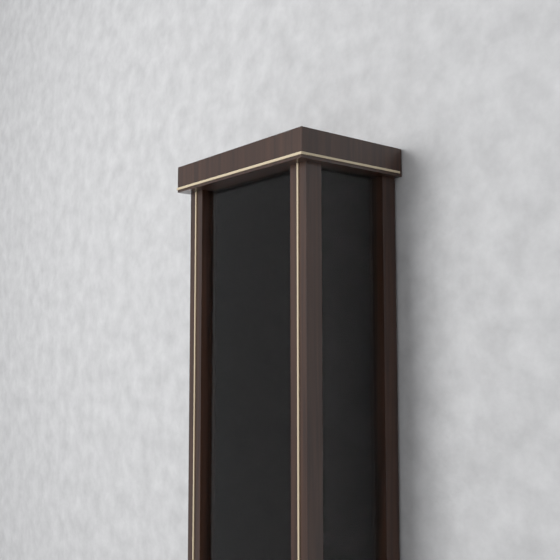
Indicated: 10 h 10 min
